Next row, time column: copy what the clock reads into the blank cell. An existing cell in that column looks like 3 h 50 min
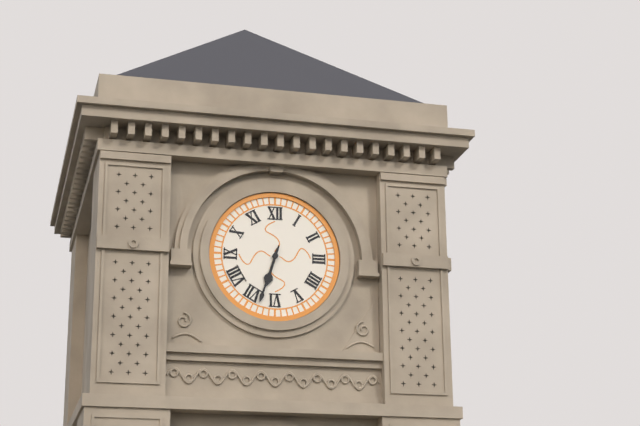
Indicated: 6 h 33 min
